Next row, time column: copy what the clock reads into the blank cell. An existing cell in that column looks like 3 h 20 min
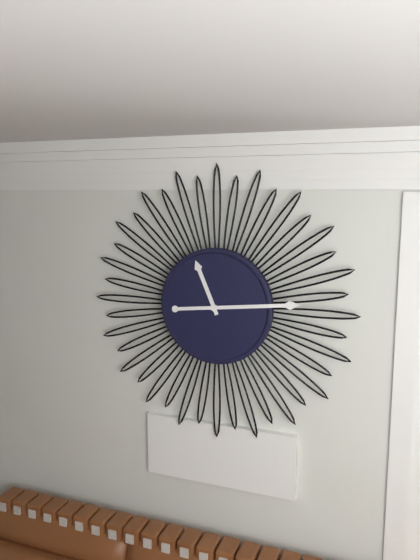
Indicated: 11 h 14 min
